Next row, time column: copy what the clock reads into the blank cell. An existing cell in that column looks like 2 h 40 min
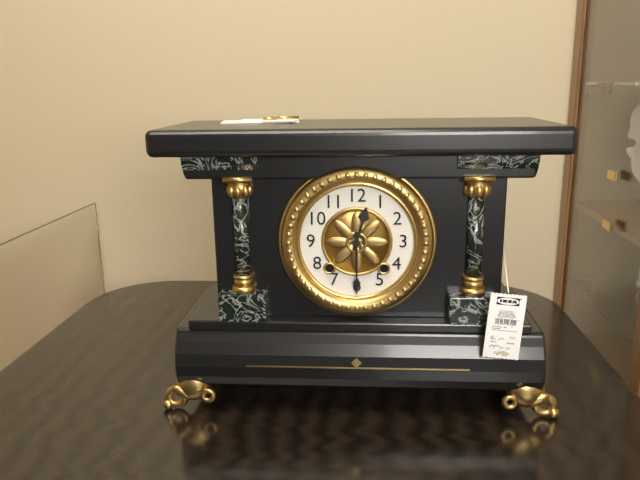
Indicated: 12 h 30 min
